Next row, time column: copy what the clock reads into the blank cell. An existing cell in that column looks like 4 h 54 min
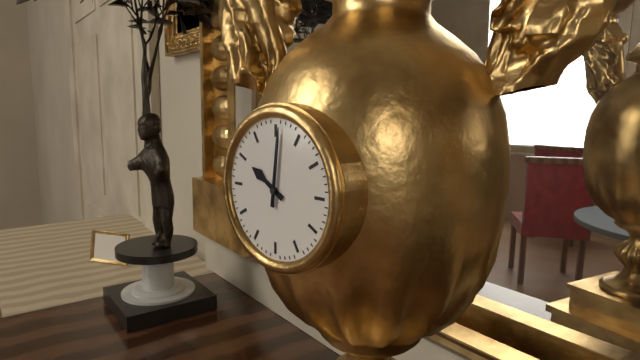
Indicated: 10 h 01 min
